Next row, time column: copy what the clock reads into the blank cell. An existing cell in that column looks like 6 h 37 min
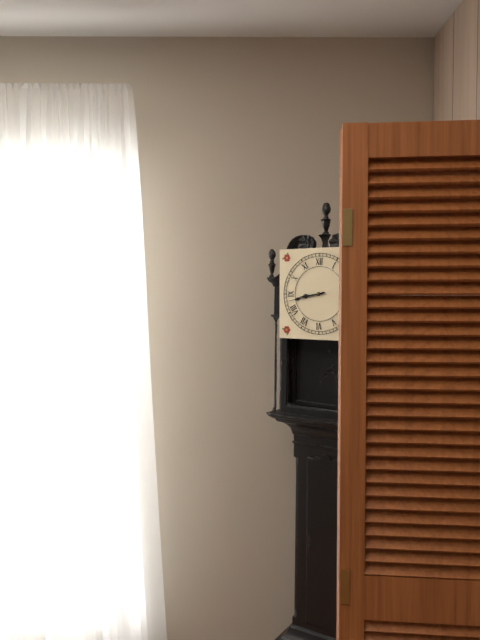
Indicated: 8 h 43 min
